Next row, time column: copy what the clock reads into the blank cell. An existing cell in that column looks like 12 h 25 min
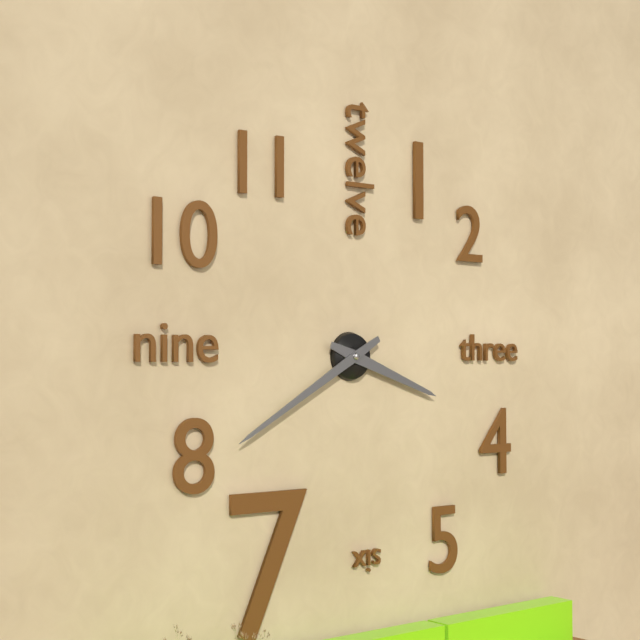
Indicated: 3 h 40 min
